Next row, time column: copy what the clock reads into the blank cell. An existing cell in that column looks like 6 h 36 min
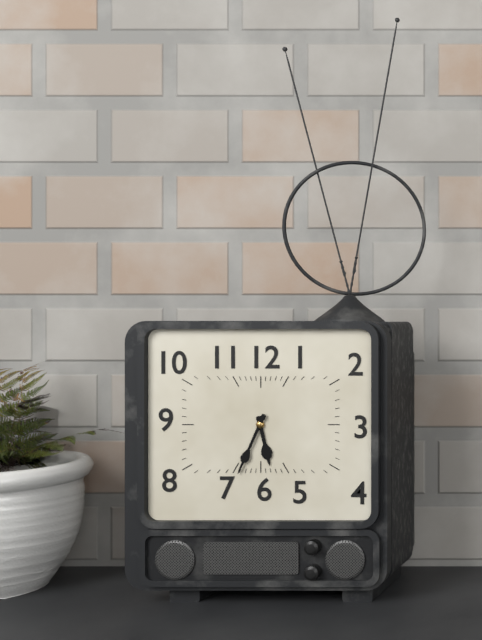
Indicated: 5 h 34 min
